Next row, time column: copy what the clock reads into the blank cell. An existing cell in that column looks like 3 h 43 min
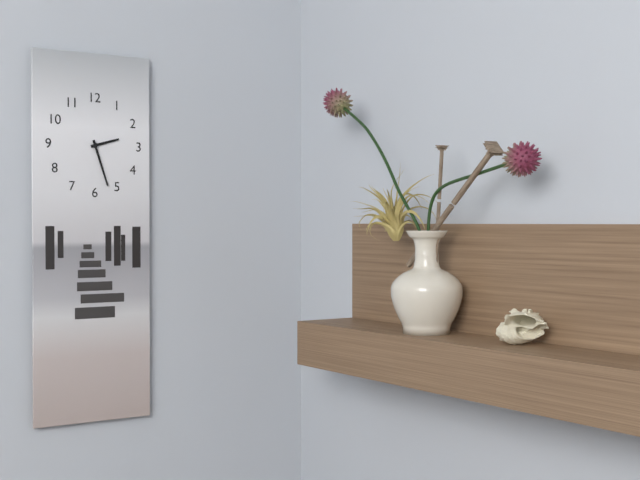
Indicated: 2 h 27 min
